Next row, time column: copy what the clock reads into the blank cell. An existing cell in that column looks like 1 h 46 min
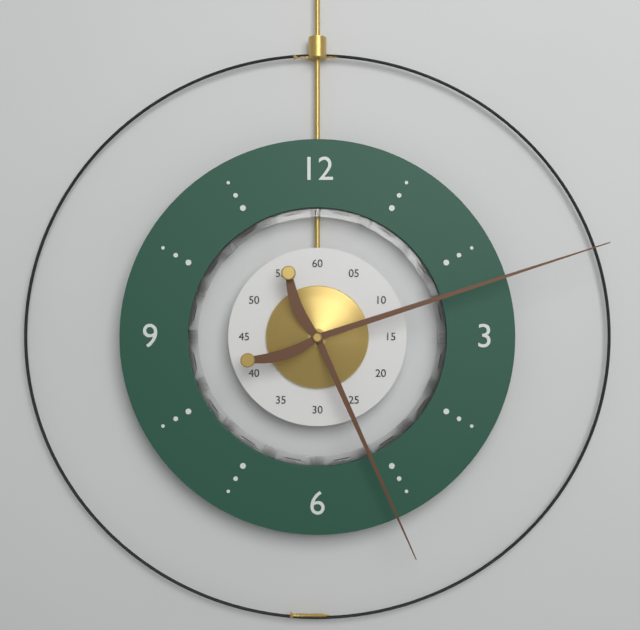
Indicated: 5 h 12 min
